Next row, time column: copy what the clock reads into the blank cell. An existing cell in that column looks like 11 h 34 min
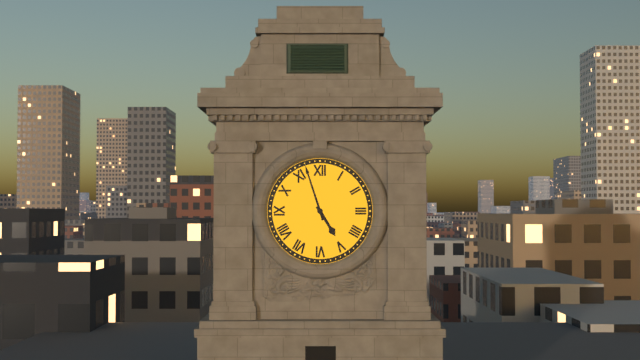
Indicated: 4 h 57 min
